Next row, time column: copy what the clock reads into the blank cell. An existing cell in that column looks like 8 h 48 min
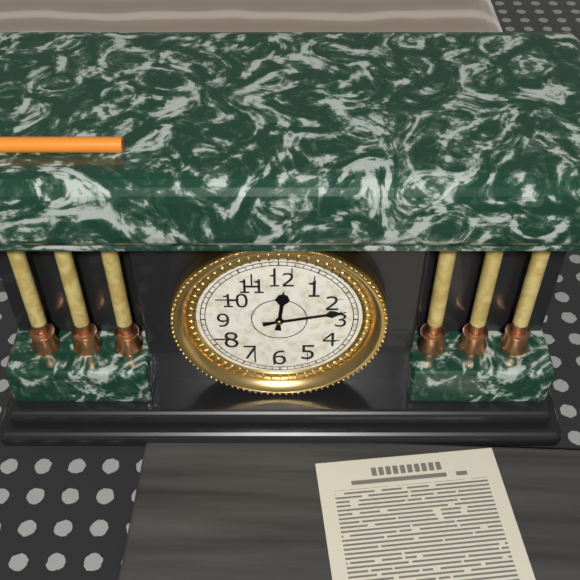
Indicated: 12 h 13 min
